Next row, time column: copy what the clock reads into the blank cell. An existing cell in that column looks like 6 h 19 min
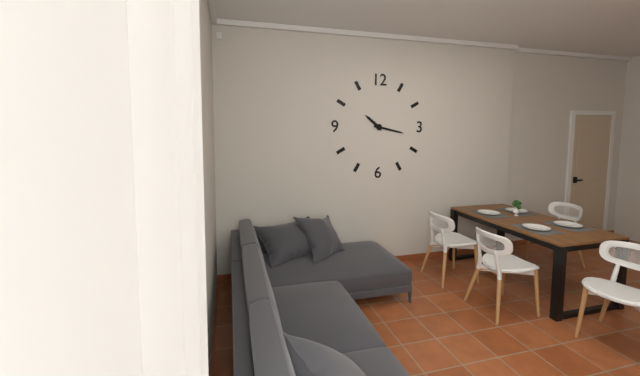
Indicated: 10 h 17 min
